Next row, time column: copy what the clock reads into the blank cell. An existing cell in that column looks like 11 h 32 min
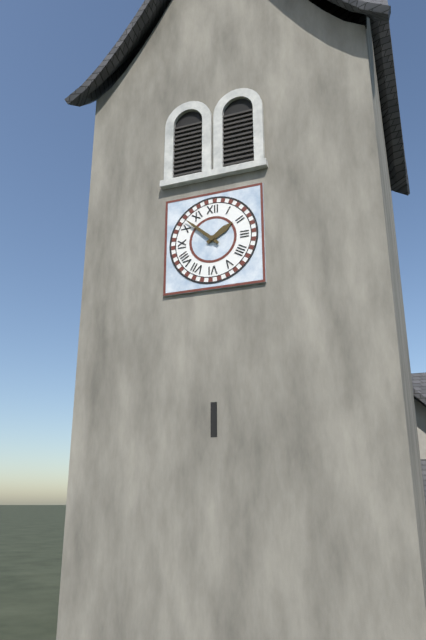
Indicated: 1 h 52 min
